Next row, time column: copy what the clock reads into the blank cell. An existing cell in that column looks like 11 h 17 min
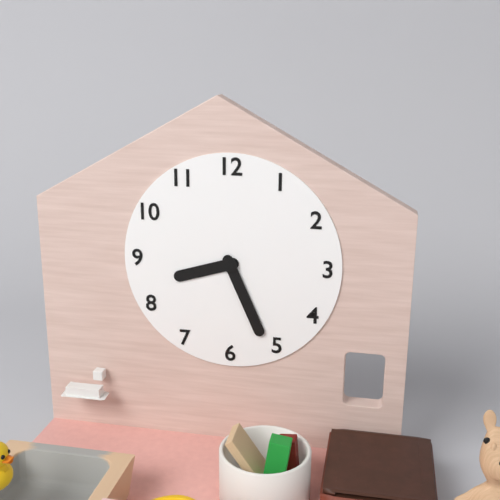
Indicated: 8 h 26 min
